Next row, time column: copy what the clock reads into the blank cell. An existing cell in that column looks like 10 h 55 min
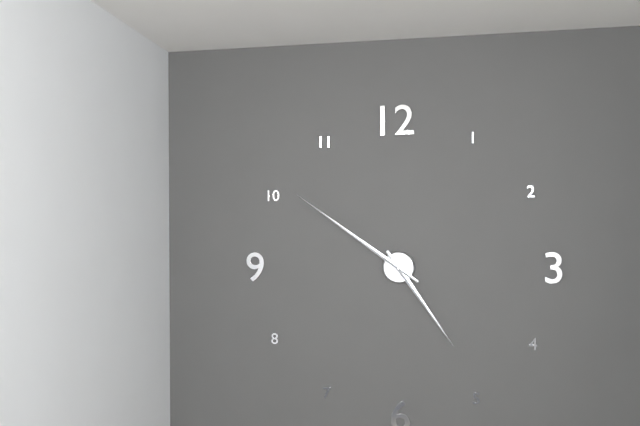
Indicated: 4 h 51 min
